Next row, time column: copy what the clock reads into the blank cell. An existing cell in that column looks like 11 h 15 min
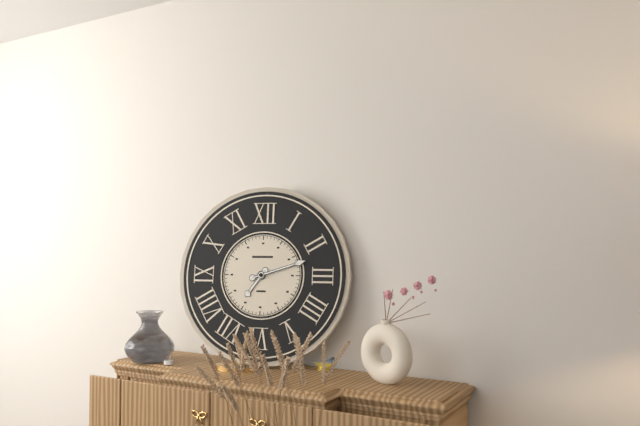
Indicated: 7 h 12 min
